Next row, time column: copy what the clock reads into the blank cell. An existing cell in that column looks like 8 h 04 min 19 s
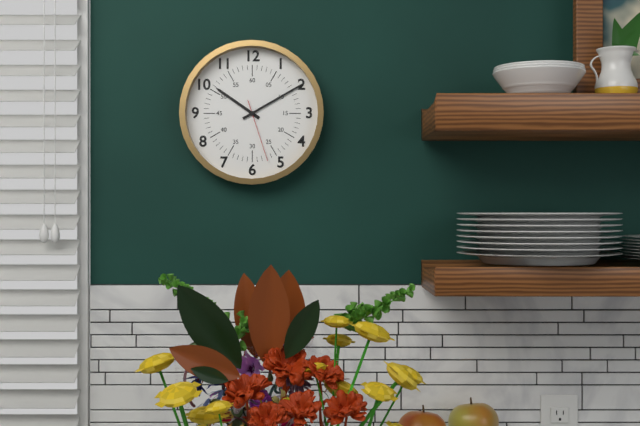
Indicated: 10 h 10 min 27 s
